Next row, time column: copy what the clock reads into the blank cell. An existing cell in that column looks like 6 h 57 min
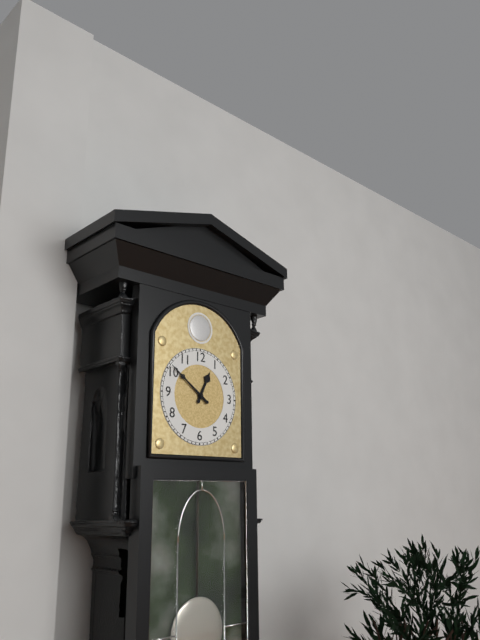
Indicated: 12 h 51 min
